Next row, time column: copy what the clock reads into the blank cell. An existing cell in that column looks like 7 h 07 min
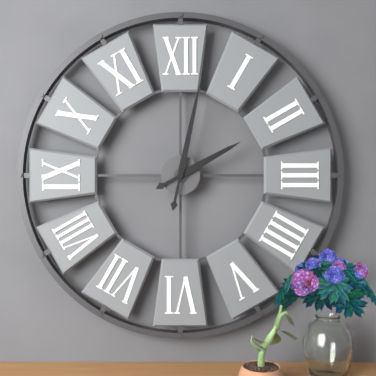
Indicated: 2 h 02 min
